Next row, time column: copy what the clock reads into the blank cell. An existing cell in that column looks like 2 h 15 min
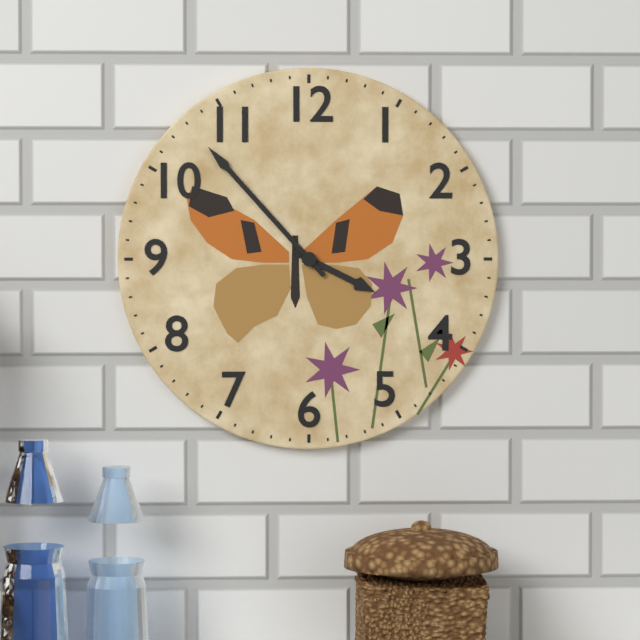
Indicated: 3 h 53 min
